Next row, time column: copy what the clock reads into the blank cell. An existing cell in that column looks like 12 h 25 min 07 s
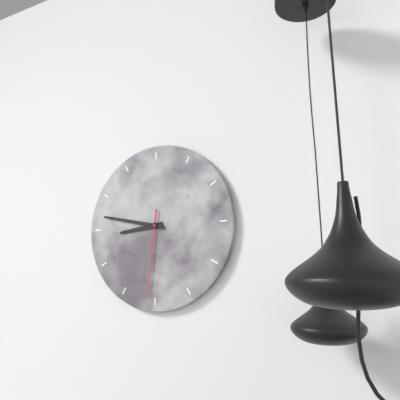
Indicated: 8 h 47 min 31 s
